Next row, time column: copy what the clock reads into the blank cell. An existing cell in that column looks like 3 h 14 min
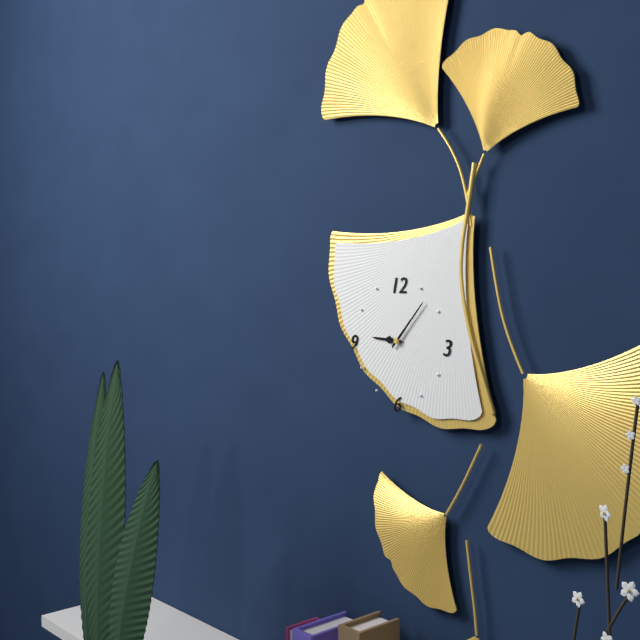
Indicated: 9 h 07 min
